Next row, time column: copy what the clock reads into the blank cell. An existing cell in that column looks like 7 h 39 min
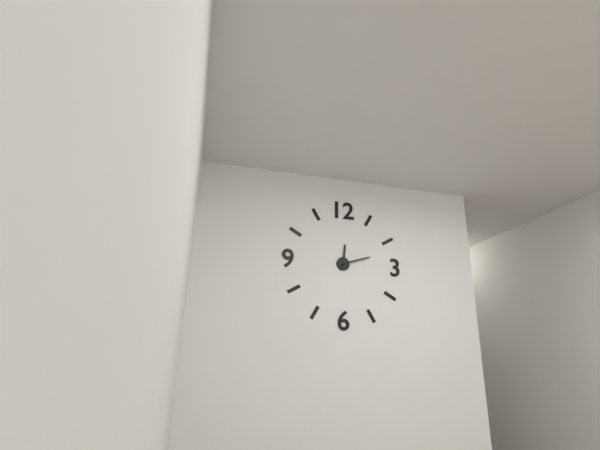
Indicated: 12 h 12 min
